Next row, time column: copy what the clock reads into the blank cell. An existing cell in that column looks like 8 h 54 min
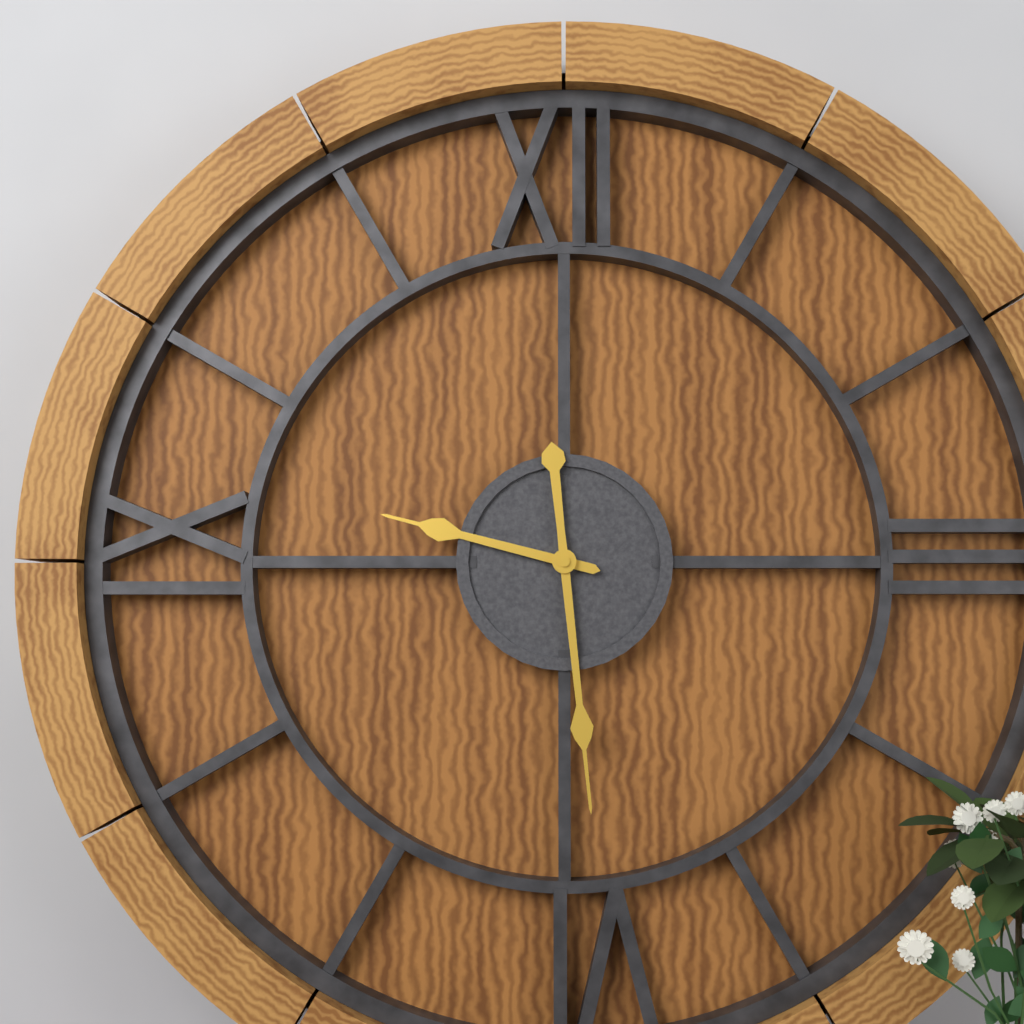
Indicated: 9 h 29 min
